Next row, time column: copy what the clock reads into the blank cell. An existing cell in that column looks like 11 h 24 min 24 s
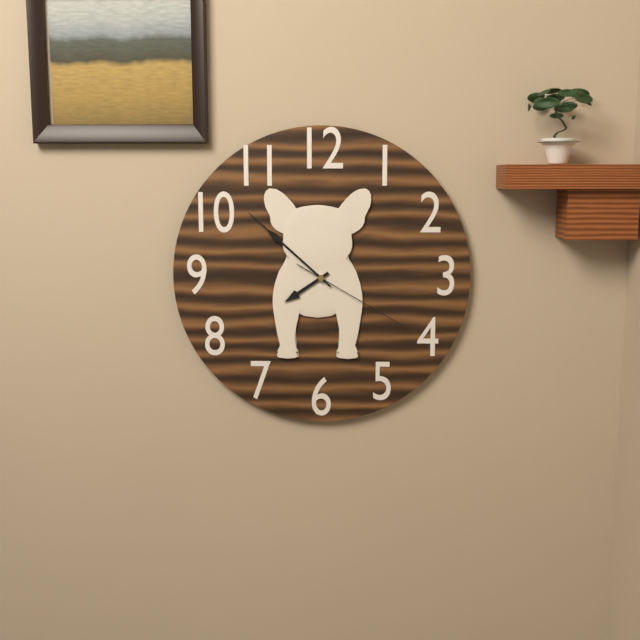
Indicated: 7 h 52 min 20 s
